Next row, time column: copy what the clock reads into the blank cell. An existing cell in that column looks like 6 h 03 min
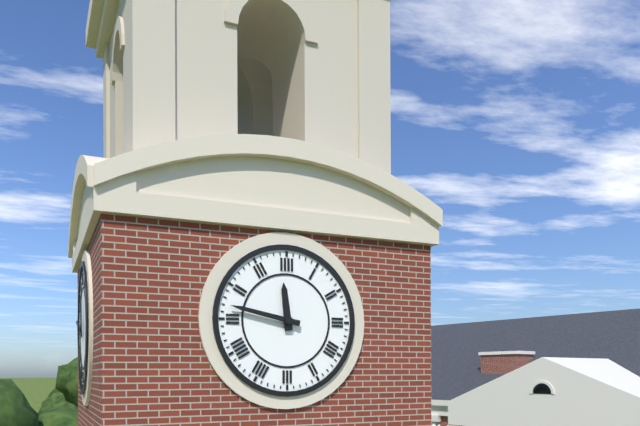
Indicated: 11 h 47 min
